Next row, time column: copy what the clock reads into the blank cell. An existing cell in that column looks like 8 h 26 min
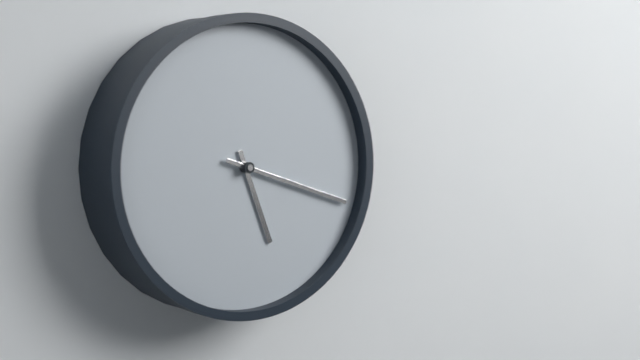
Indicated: 5 h 18 min
